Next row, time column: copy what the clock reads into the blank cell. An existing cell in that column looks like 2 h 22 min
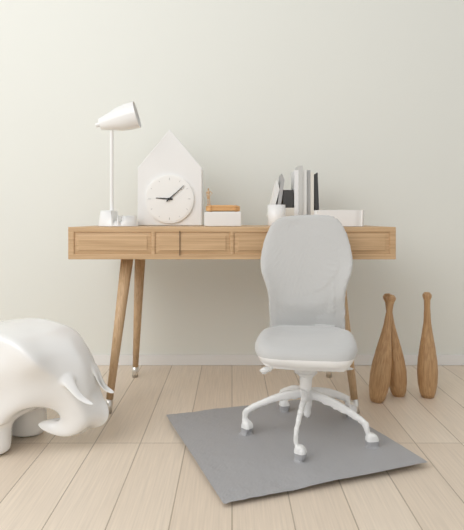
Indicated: 9 h 08 min
